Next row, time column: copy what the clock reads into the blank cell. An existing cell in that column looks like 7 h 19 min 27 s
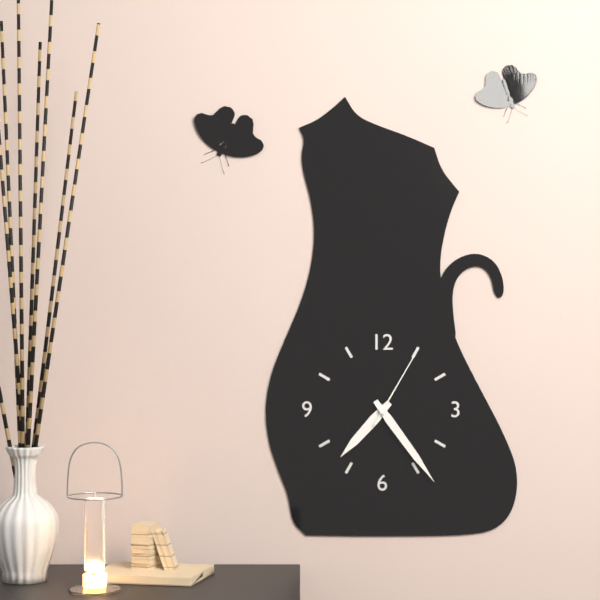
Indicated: 7 h 24 min 05 s
